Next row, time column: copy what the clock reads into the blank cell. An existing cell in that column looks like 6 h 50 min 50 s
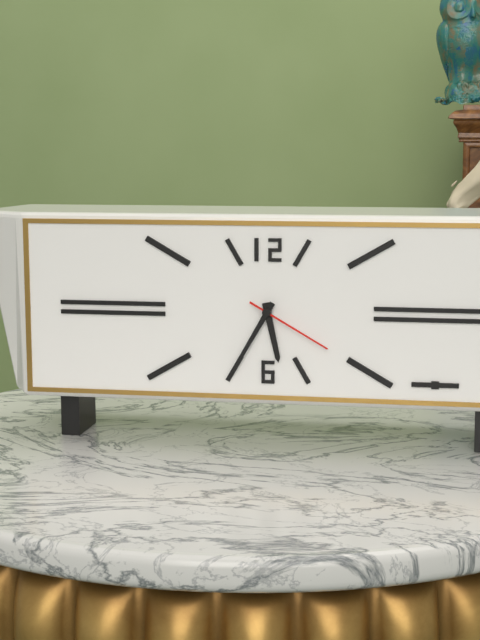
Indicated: 5 h 35 min 20 s
